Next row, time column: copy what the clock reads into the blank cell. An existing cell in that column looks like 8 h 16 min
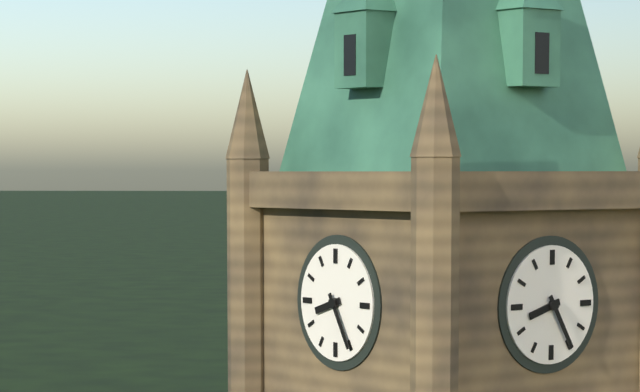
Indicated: 8 h 25 min
